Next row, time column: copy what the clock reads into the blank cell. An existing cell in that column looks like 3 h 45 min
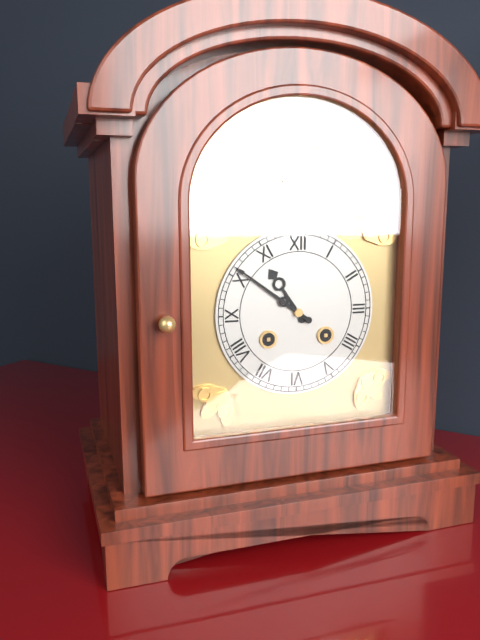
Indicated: 10 h 51 min
